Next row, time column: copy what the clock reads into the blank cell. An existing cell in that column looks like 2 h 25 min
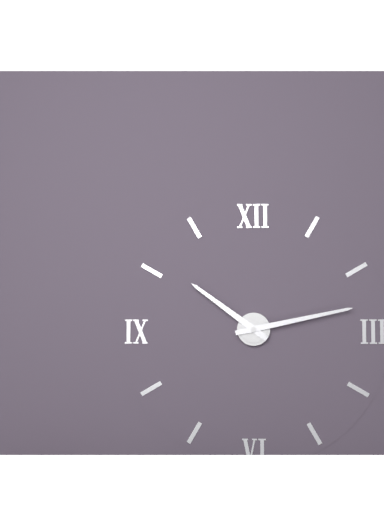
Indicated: 10 h 13 min
